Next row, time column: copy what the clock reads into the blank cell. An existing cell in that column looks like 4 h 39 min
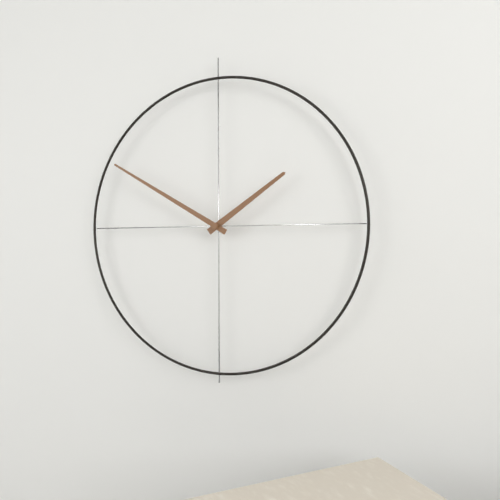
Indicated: 1 h 50 min
